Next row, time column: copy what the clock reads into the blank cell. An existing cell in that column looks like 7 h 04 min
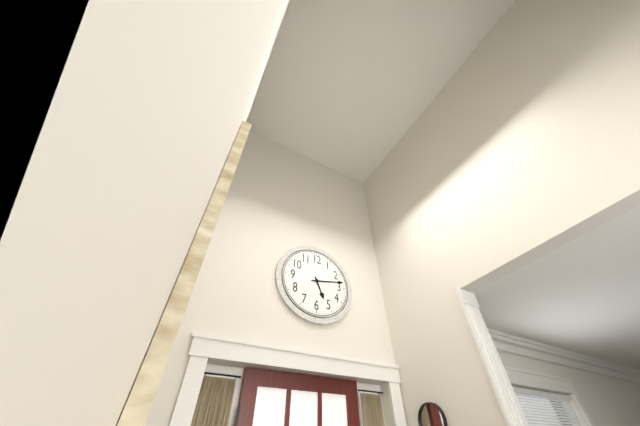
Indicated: 5 h 13 min
